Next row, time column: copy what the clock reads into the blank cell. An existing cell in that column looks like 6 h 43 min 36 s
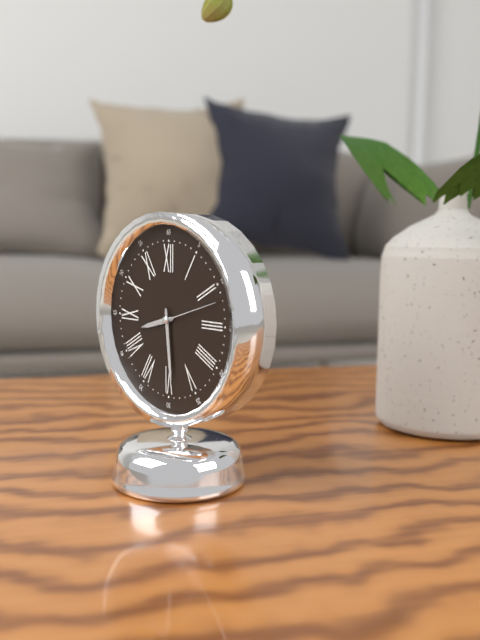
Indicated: 8 h 29 min 12 s
